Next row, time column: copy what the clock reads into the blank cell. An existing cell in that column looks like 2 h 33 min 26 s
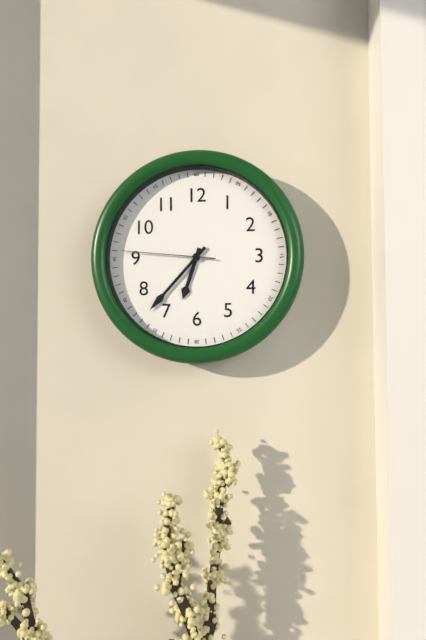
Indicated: 6 h 37 min 46 s
